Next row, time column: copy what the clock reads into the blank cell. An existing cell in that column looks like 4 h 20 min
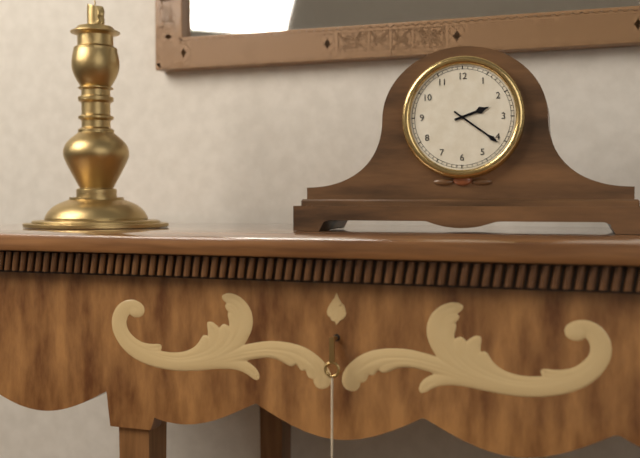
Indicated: 2 h 21 min
